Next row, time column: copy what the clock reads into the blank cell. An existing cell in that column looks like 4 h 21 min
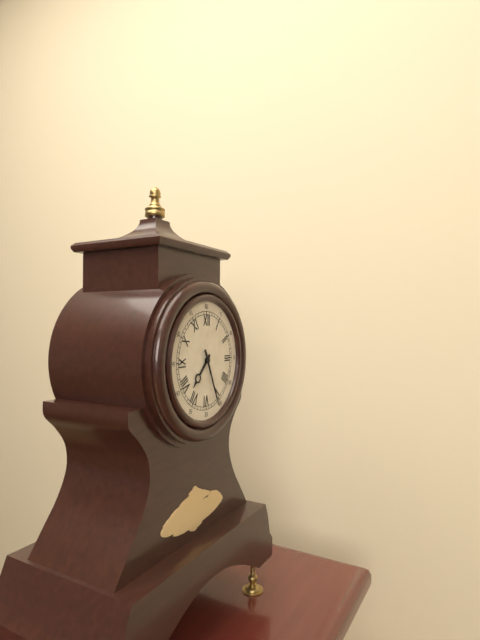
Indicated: 7 h 26 min
